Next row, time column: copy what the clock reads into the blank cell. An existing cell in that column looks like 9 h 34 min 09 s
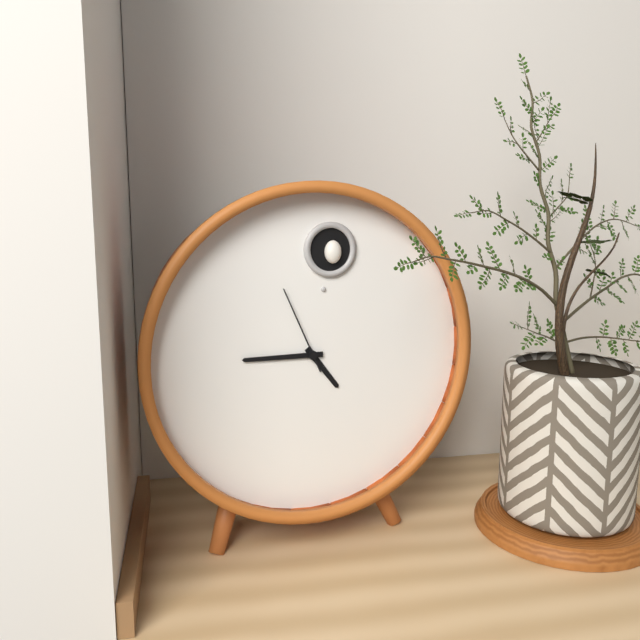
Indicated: 4 h 45 min 56 s
